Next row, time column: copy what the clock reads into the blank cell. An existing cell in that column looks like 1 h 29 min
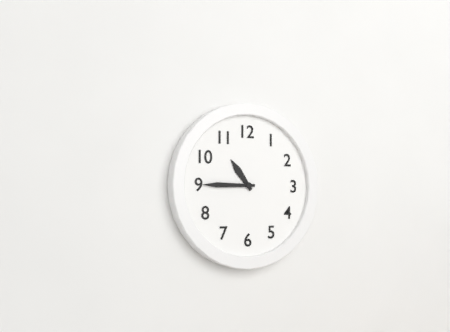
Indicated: 10 h 45 min
